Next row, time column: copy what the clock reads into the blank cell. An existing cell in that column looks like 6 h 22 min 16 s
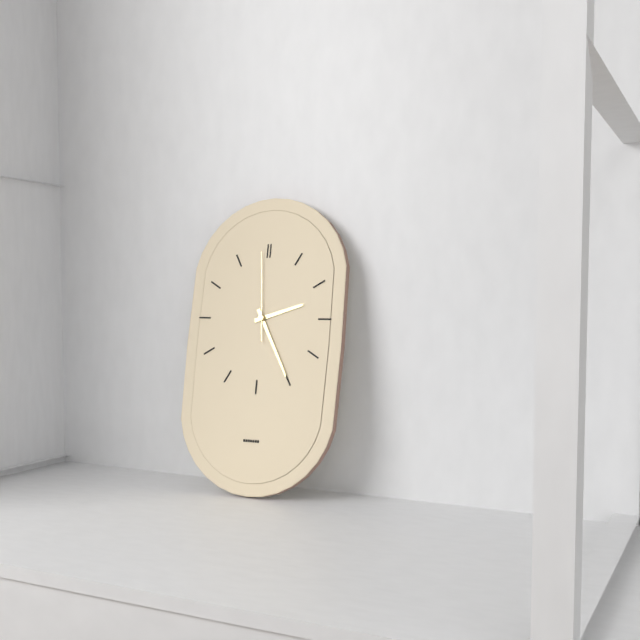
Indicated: 2 h 25 min 59 s
